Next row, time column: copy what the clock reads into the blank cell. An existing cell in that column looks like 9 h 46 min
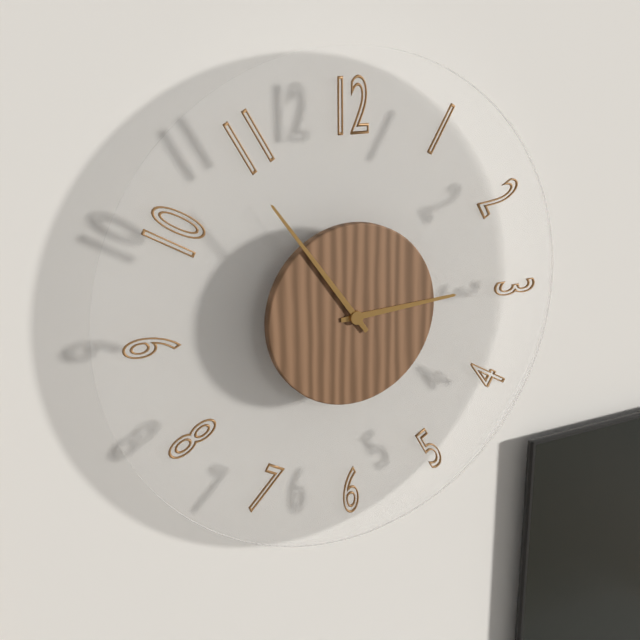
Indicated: 2 h 54 min
